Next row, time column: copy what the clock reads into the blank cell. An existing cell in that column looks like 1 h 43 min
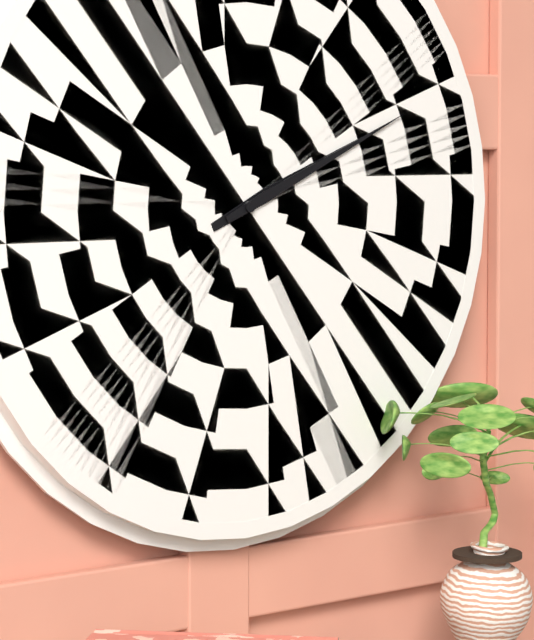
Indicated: 2 h 11 min
